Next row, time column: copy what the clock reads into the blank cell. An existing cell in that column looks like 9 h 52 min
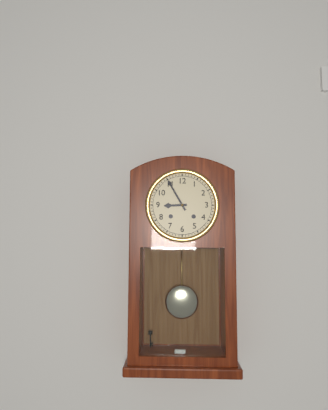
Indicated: 8 h 55 min
